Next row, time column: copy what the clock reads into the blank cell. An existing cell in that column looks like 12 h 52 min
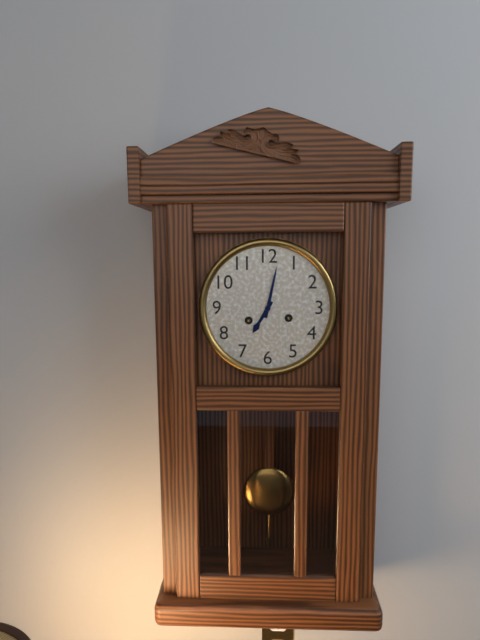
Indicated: 7 h 02 min
